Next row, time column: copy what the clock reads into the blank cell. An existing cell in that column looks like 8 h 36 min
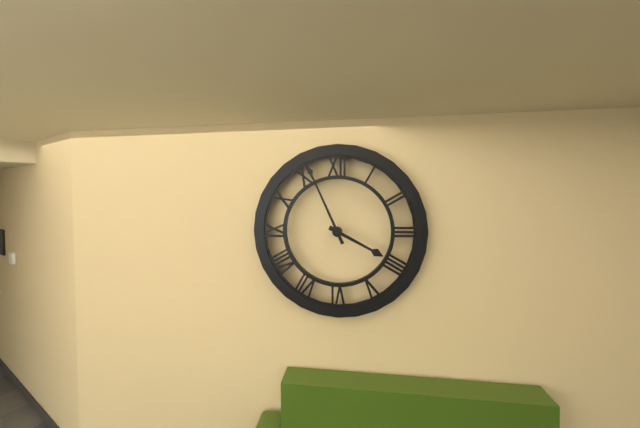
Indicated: 3 h 56 min
